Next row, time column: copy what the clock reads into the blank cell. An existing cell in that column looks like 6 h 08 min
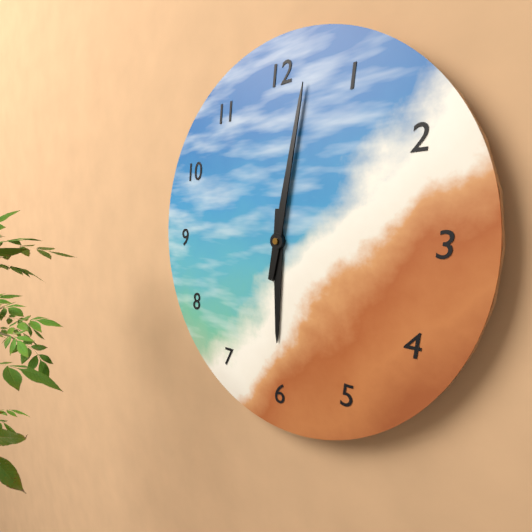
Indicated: 6 h 02 min
